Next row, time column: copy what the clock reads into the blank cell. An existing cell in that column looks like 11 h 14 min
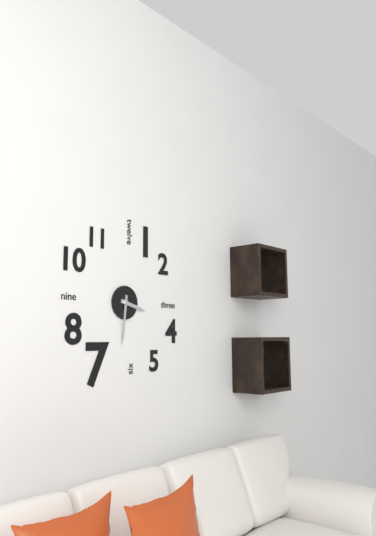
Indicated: 3 h 31 min
